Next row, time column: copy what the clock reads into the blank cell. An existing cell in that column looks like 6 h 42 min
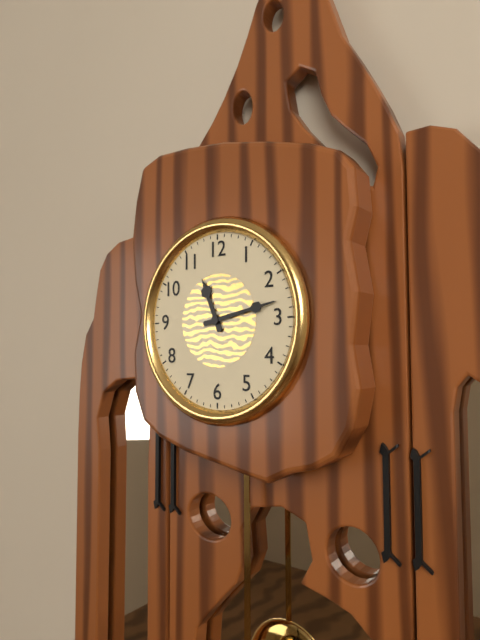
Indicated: 11 h 13 min
